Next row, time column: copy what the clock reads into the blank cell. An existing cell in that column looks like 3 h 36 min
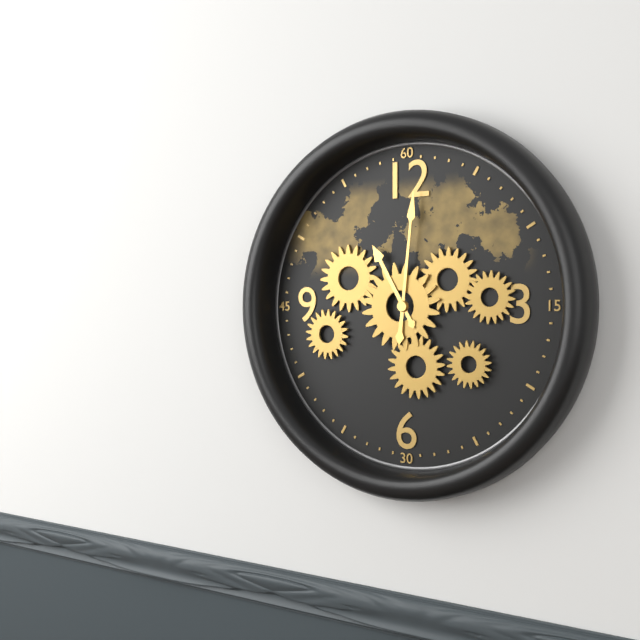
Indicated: 11 h 01 min
